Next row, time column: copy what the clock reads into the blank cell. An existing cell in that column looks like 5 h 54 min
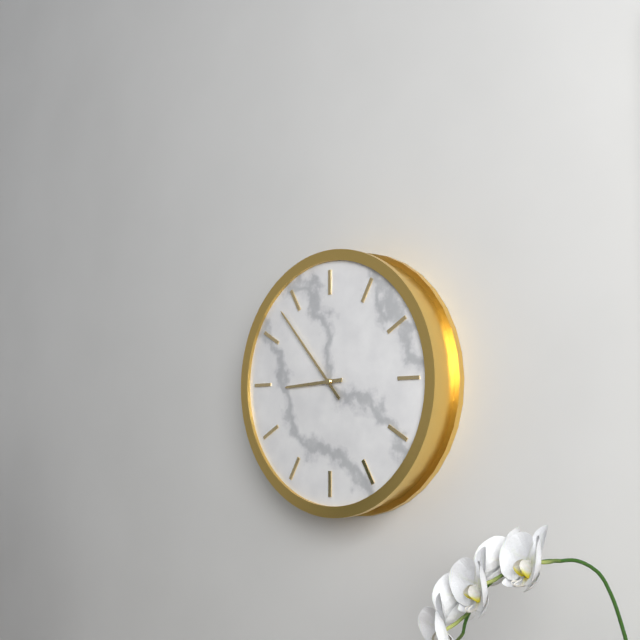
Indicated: 8 h 53 min
